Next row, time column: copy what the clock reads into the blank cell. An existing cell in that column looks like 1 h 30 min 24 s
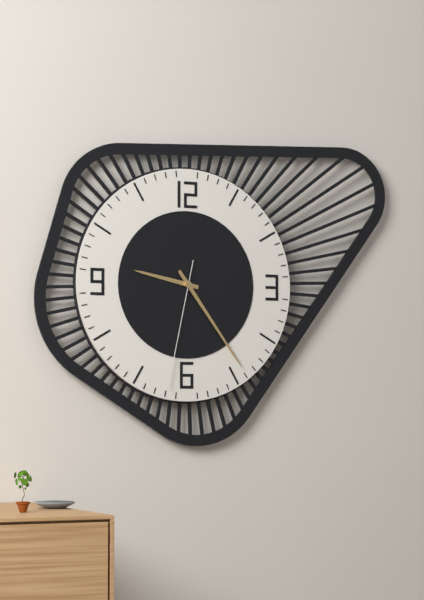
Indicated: 9 h 24 min 32 s
